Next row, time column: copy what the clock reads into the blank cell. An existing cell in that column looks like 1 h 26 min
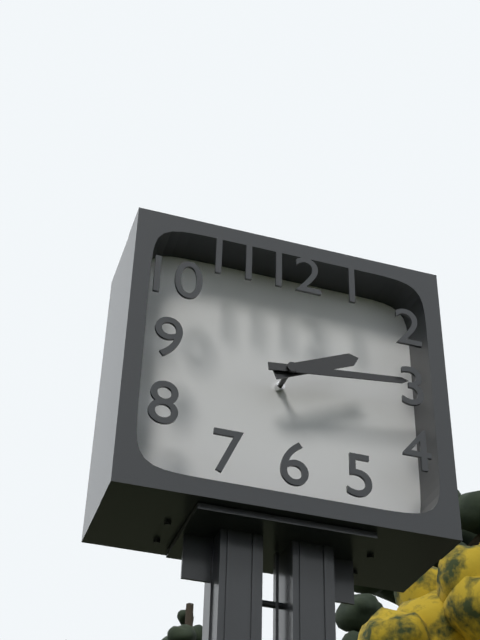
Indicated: 2 h 14 min
